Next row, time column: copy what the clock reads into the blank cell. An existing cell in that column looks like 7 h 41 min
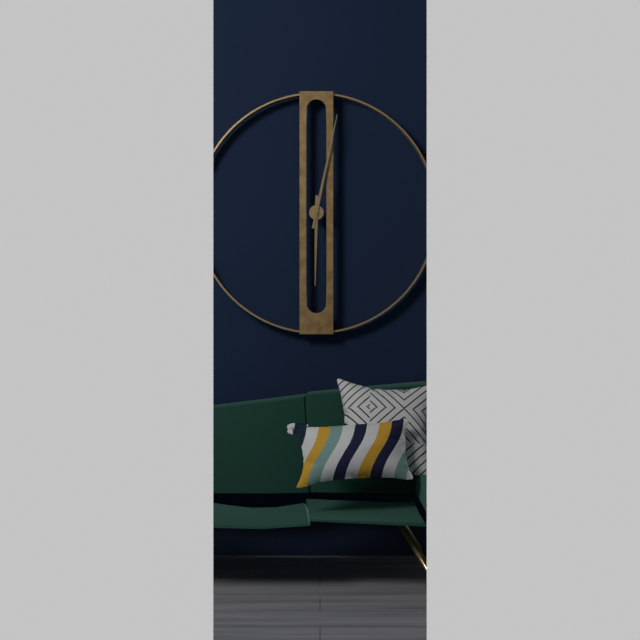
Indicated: 6 h 02 min
